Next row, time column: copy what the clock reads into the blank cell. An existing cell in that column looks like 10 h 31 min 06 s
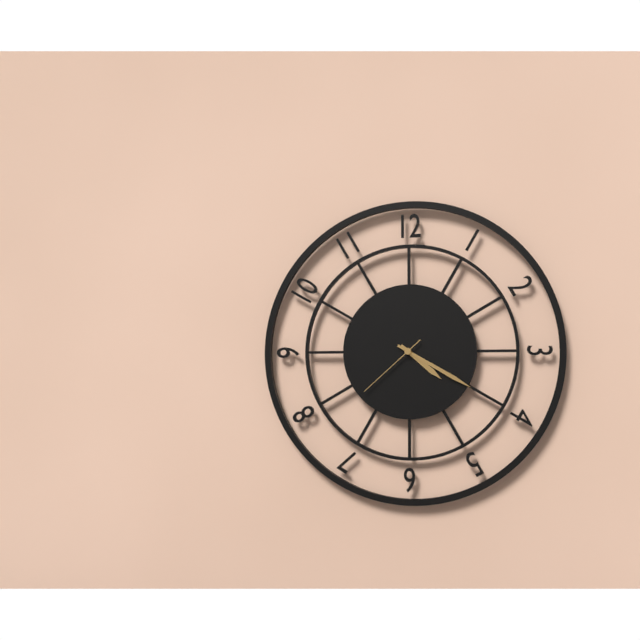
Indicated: 4 h 20 min 38 s
